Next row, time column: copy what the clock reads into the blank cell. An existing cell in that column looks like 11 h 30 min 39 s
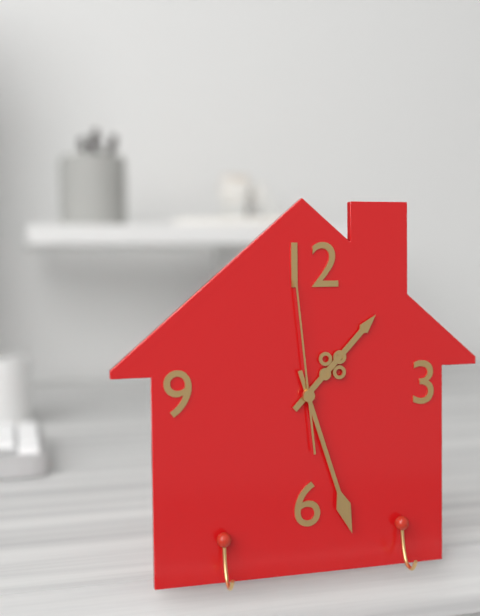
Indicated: 1 h 27 min 59 s
